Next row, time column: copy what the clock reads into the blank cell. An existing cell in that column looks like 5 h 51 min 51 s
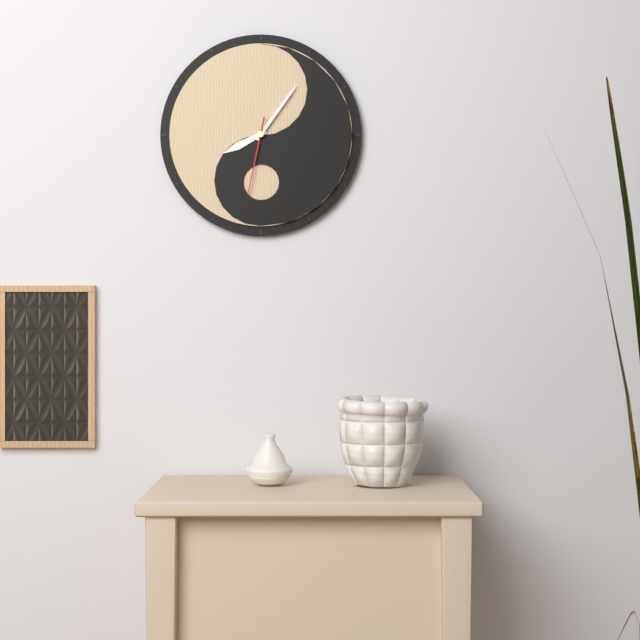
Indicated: 8 h 06 min 32 s
